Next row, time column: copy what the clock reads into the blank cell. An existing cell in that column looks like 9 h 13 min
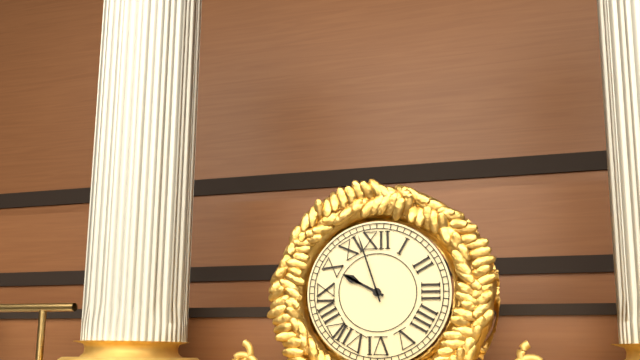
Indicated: 9 h 57 min
